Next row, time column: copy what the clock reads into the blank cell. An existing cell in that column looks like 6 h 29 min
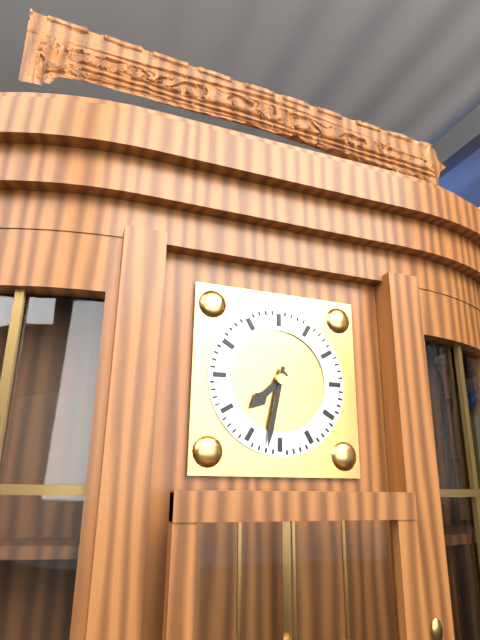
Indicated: 7 h 32 min
